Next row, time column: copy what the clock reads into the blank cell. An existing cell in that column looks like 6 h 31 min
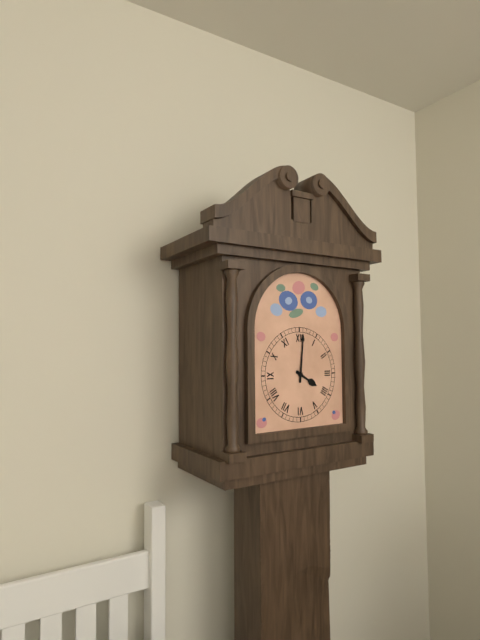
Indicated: 4 h 01 min
